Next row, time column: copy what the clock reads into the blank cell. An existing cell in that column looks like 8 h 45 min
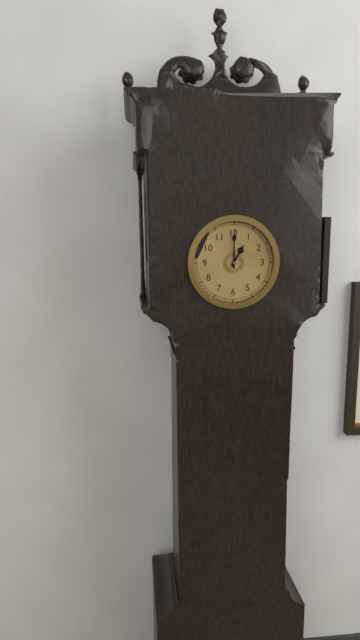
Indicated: 1 h 00 min
